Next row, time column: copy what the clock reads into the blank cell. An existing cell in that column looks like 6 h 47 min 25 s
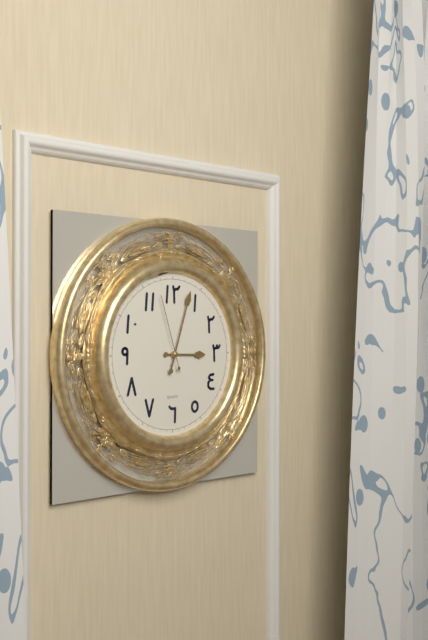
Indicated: 3 h 03 min 57 s
